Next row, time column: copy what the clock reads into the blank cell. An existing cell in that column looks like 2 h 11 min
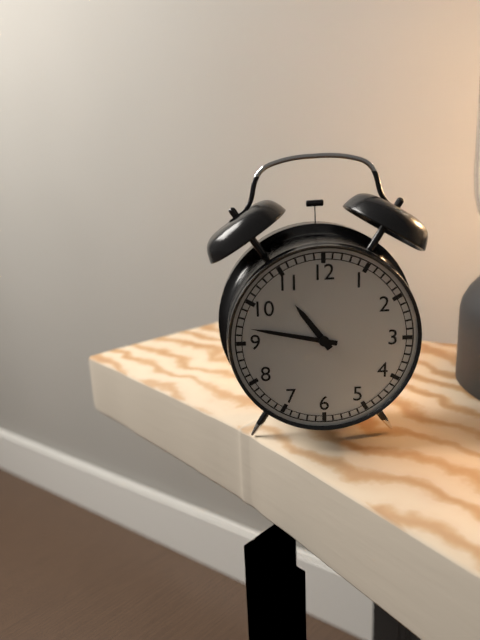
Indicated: 10 h 47 min
